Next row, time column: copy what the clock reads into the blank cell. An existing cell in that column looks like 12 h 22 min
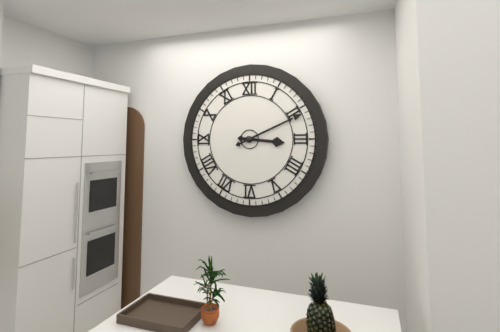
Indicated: 3 h 11 min
